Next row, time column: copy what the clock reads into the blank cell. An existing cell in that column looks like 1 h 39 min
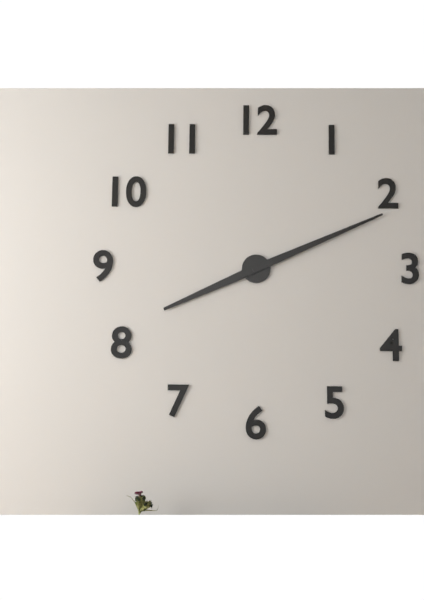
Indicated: 8 h 11 min
